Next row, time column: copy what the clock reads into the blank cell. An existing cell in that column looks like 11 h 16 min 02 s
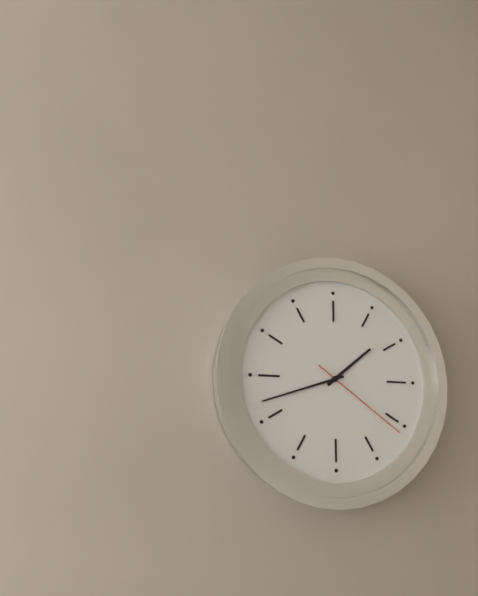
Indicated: 1 h 42 min 21 s
